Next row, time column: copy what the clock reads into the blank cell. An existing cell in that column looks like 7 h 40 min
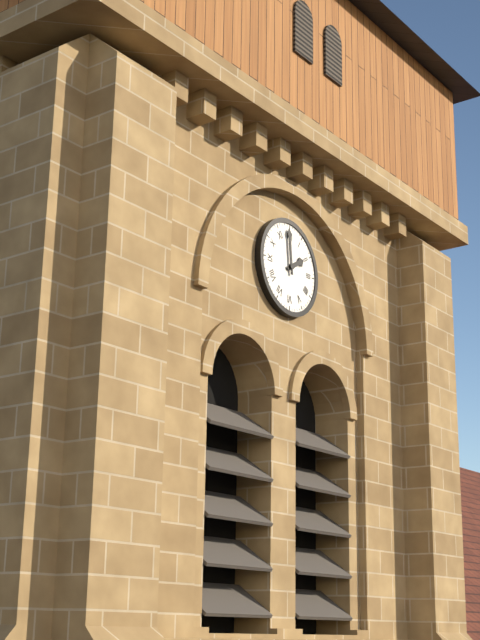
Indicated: 1 h 59 min
